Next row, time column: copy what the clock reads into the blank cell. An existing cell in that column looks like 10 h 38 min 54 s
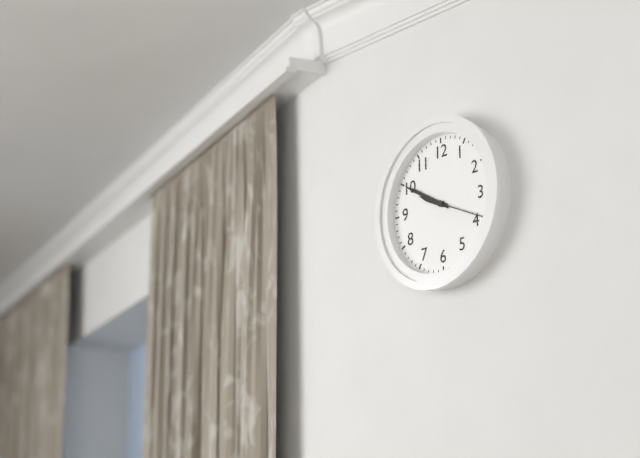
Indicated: 9 h 50 min 19 s
